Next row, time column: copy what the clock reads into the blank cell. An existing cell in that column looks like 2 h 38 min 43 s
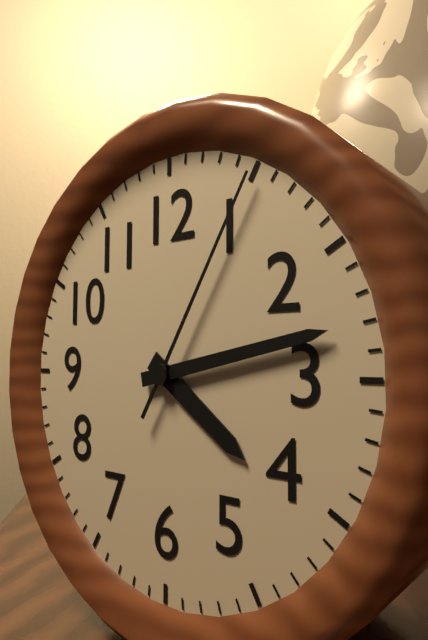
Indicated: 4 h 13 min 05 s
